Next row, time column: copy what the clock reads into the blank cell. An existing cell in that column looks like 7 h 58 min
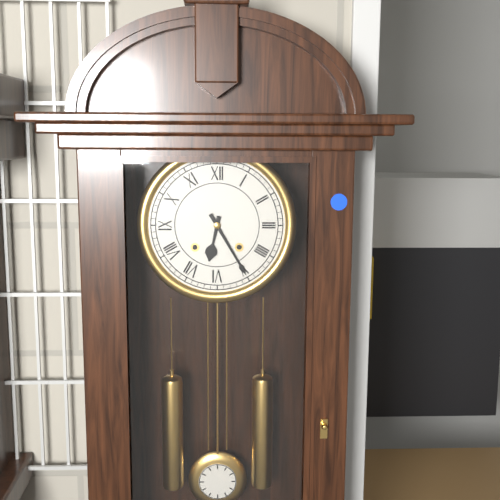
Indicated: 6 h 25 min
